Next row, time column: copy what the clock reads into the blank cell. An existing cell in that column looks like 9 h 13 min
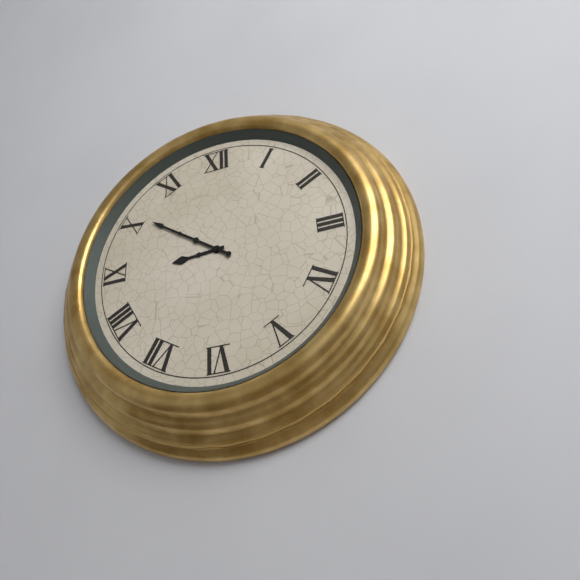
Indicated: 8 h 51 min
